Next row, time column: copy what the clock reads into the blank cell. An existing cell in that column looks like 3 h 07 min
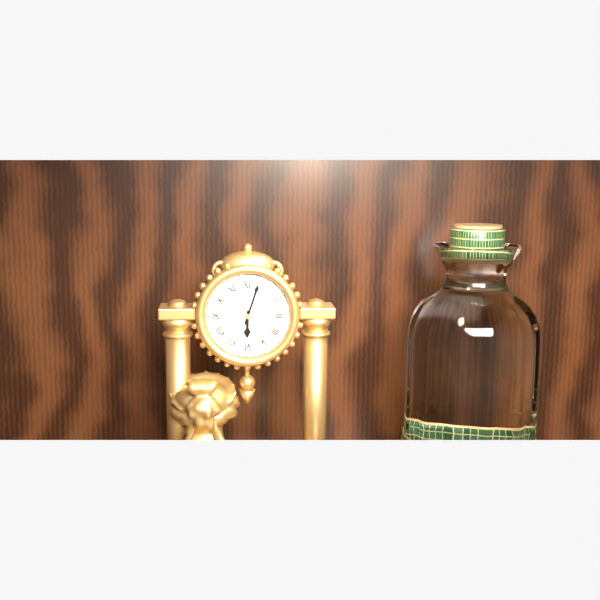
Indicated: 6 h 03 min
